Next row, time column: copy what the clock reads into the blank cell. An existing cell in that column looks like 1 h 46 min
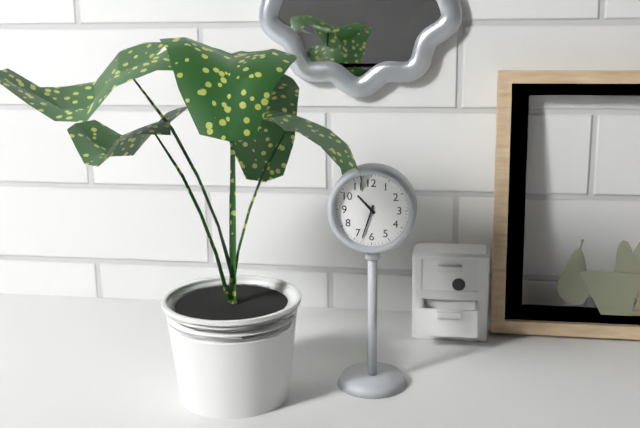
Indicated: 10 h 33 min
